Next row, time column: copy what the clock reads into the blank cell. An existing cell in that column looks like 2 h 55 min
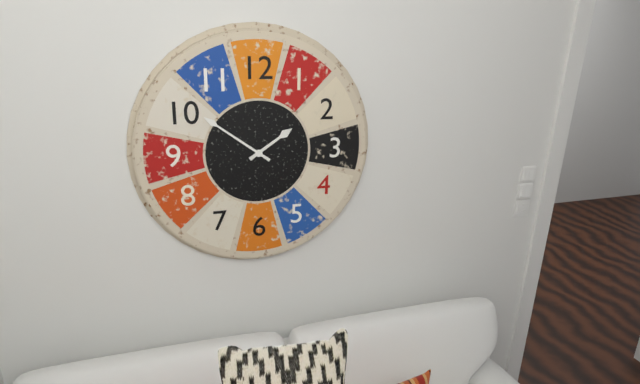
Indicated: 1 h 51 min
